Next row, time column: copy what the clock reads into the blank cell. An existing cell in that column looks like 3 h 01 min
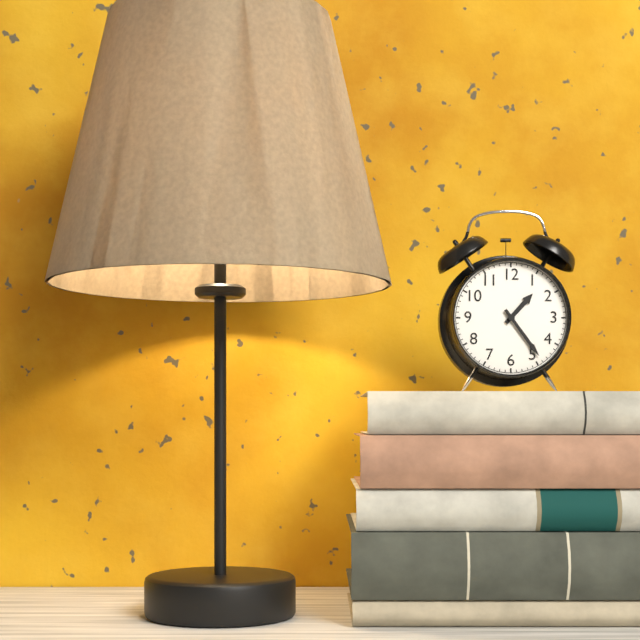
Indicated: 1 h 24 min
